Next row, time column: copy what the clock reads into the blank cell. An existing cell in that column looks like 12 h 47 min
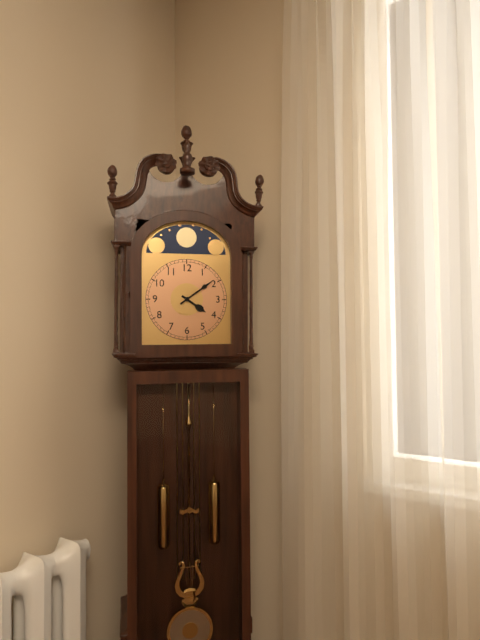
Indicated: 4 h 09 min
